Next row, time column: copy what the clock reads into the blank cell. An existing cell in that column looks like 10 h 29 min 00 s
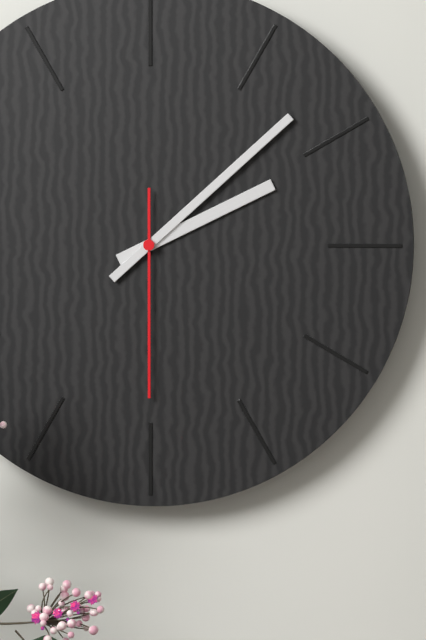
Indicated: 2 h 08 min 30 s
